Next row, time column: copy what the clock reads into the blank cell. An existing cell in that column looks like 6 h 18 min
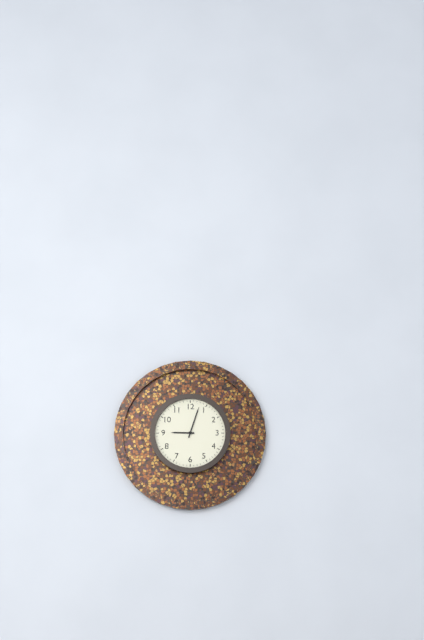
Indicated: 9 h 03 min
